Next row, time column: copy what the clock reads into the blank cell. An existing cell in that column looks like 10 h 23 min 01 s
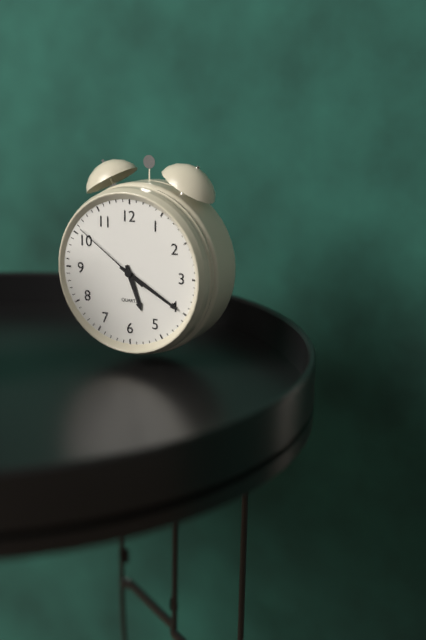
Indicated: 5 h 20 min 51 s
